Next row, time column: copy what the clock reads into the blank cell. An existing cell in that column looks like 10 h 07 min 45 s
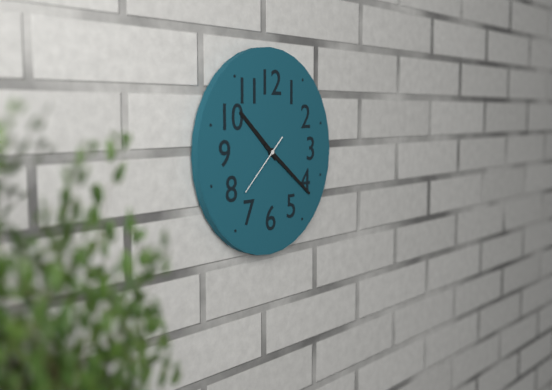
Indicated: 10 h 21 min 38 s
